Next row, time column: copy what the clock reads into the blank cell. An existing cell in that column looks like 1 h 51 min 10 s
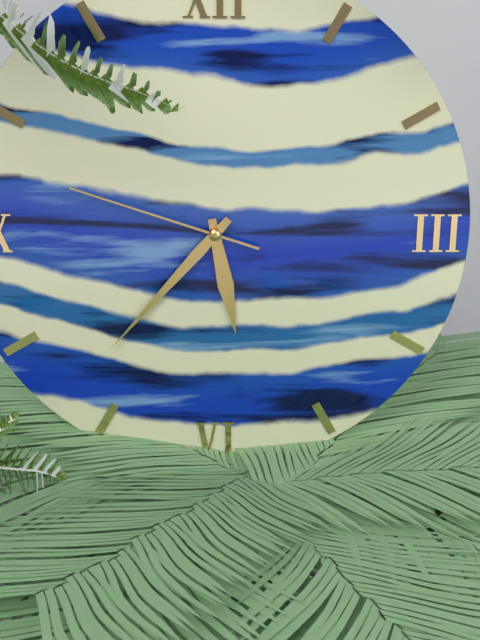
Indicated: 5 h 37 min 48 s
